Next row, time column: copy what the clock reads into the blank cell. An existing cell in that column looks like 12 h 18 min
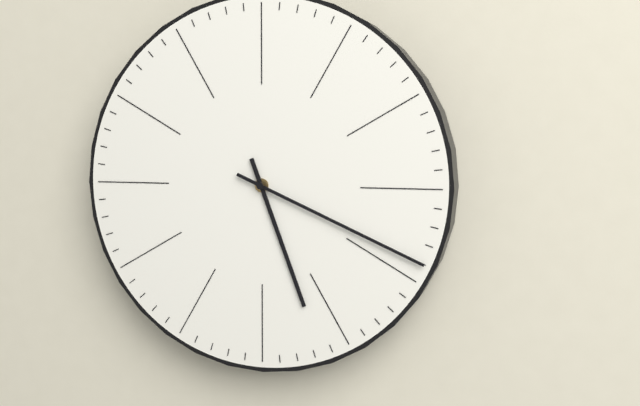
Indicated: 5 h 19 min
